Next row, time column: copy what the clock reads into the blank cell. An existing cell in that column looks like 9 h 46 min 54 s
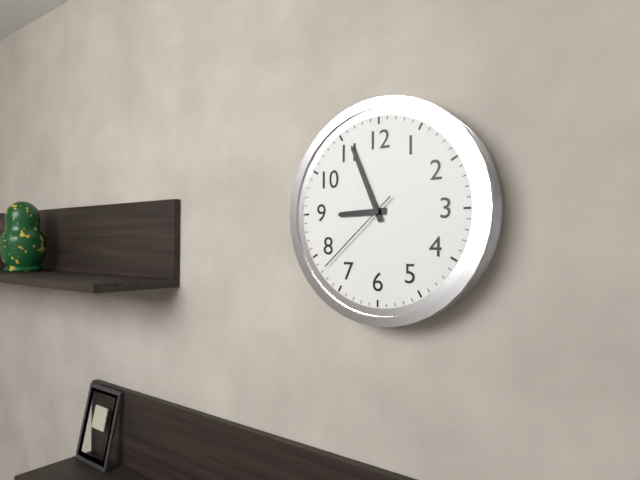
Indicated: 8 h 56 min 38 s
